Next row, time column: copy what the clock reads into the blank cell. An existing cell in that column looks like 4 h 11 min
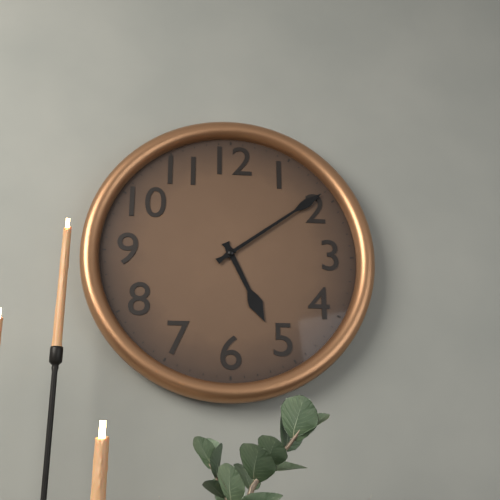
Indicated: 5 h 09 min
